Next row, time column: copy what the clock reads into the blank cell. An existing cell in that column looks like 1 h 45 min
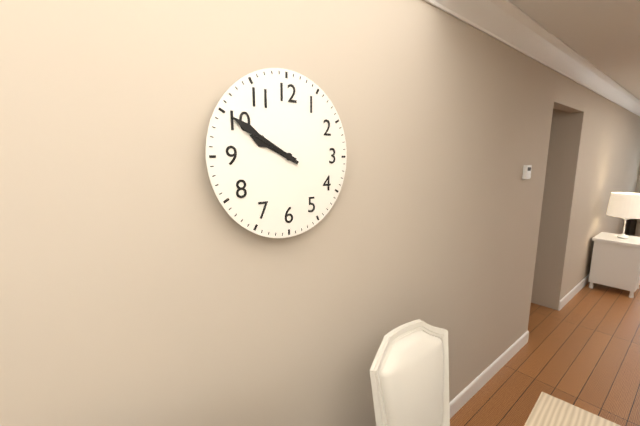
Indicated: 9 h 50 min
